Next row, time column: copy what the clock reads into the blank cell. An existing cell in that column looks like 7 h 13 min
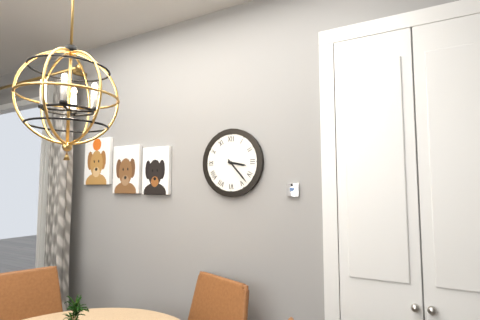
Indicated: 3 h 23 min
